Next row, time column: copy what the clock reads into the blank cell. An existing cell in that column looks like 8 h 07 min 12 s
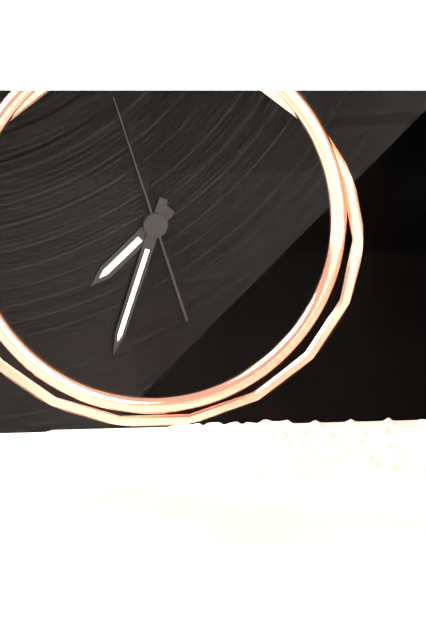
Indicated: 7 h 33 min 57 s
